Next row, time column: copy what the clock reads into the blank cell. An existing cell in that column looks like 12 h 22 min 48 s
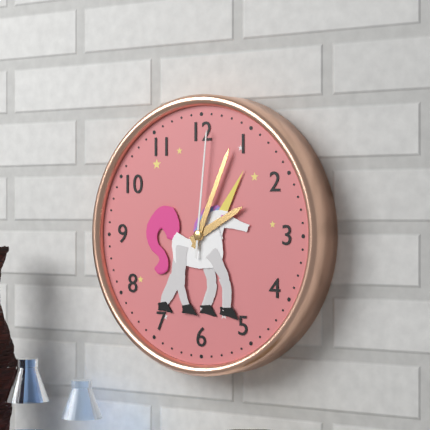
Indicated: 2 h 04 min 01 s
